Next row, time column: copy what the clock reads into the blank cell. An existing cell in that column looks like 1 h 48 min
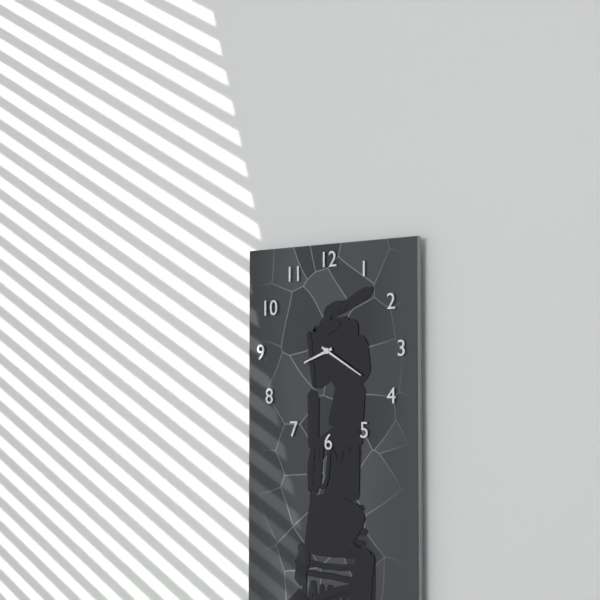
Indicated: 8 h 20 min
